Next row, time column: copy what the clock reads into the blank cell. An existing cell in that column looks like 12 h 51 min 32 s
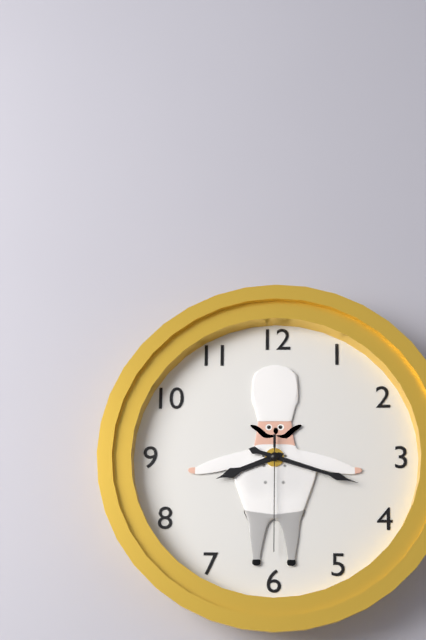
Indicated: 8 h 18 min 30 s
